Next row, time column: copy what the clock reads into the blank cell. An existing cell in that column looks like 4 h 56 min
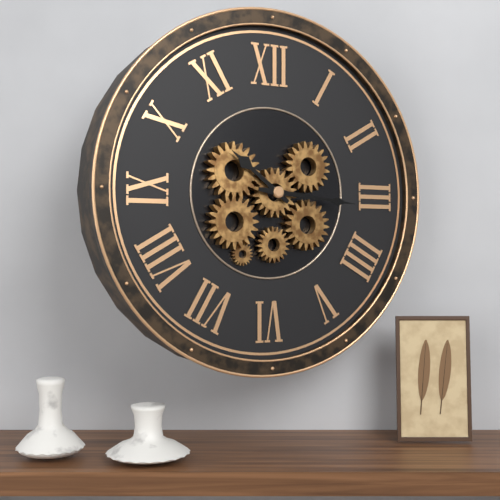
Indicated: 10 h 16 min
